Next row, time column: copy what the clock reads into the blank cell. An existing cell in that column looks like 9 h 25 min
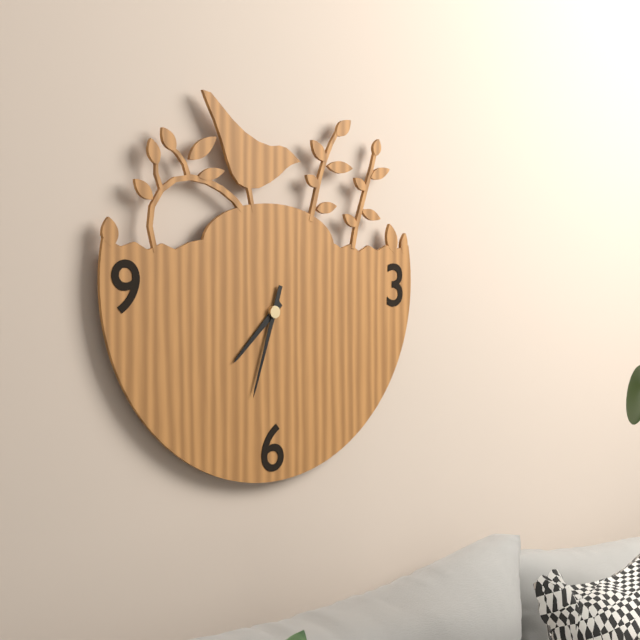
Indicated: 7 h 33 min
